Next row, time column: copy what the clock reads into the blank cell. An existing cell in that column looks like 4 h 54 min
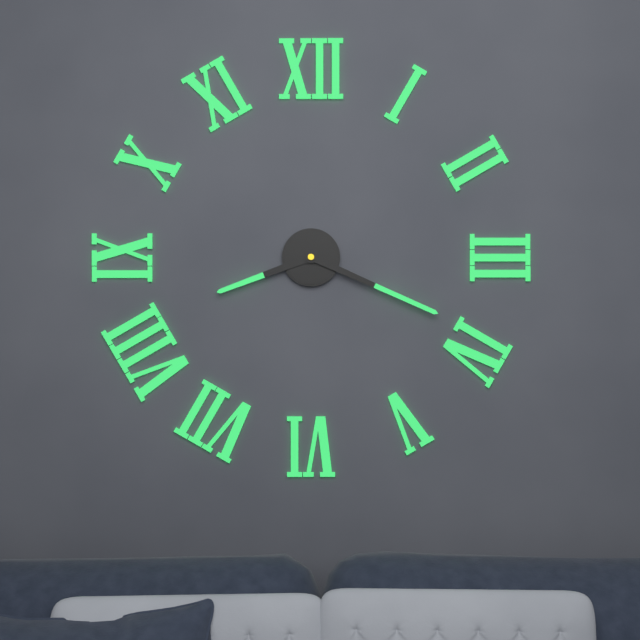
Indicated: 8 h 19 min
